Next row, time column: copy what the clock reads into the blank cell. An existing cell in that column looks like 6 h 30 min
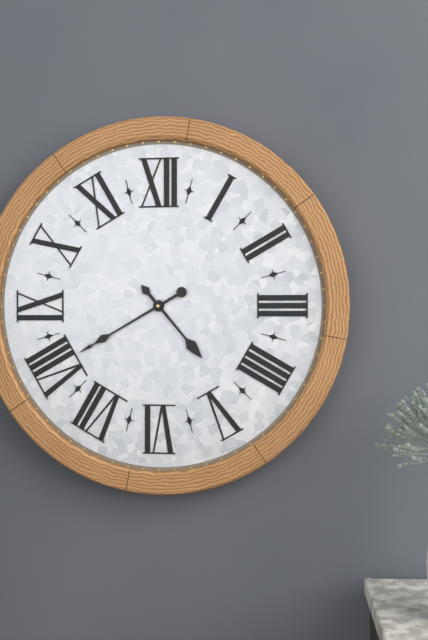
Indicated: 4 h 40 min
